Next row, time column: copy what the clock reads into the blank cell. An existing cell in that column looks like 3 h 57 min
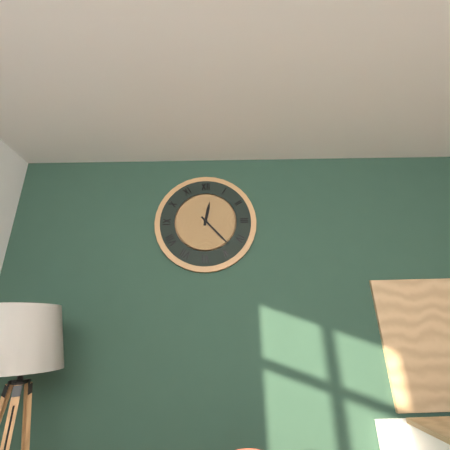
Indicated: 12 h 23 min
